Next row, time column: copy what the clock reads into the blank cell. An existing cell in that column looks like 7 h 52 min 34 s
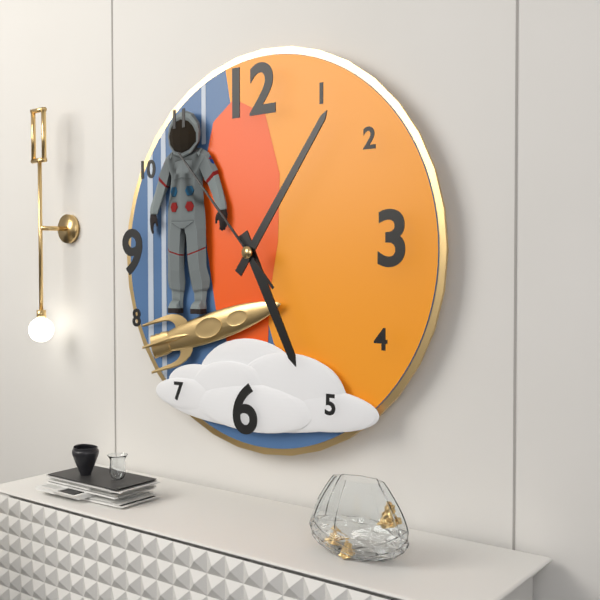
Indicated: 5 h 06 min 53 s
